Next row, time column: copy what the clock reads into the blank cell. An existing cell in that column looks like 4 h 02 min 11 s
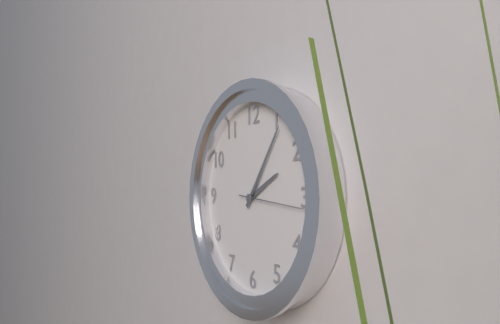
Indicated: 2 h 06 min 16 s
